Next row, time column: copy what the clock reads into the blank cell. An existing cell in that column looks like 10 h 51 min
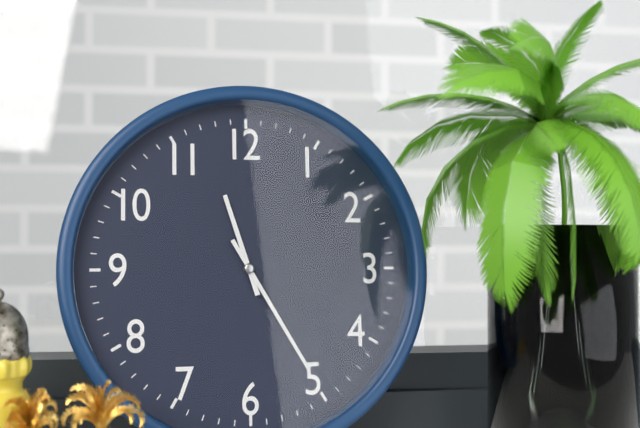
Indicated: 11 h 25 min
